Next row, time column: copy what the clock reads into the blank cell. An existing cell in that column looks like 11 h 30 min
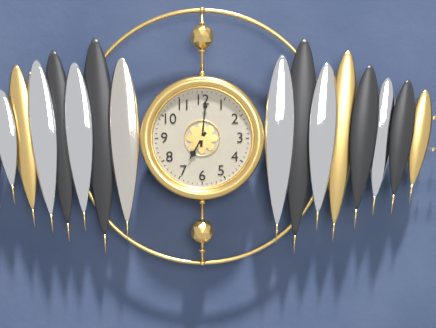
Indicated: 7 h 01 min
